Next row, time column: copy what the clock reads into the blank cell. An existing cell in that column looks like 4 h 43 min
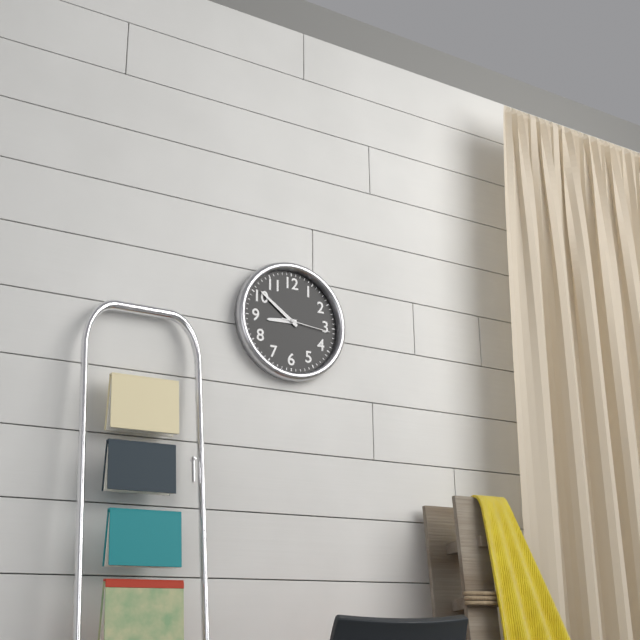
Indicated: 8 h 51 min
